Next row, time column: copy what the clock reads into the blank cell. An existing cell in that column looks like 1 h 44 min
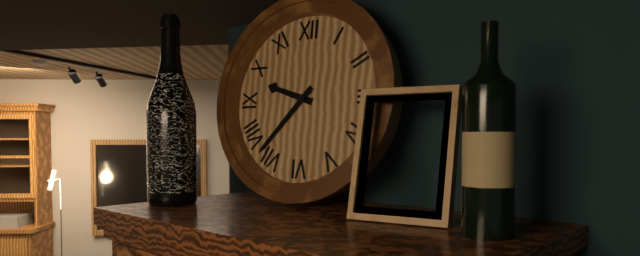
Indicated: 9 h 37 min
